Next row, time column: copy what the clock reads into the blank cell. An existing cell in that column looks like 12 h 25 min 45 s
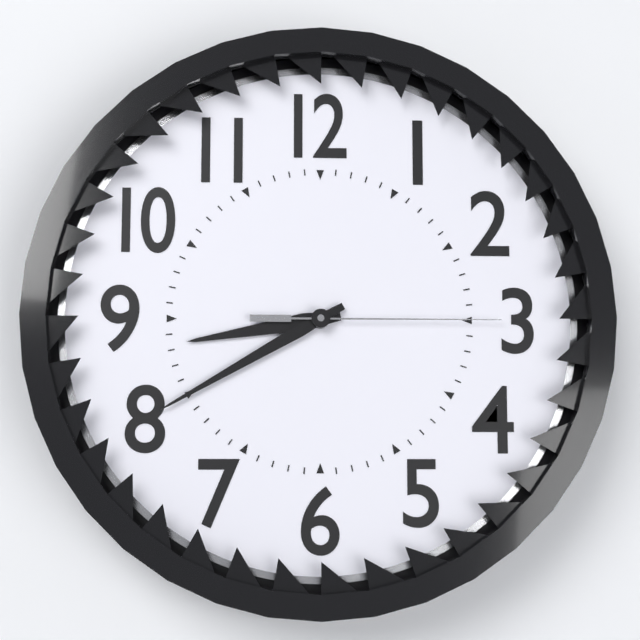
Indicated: 8 h 40 min 15 s
